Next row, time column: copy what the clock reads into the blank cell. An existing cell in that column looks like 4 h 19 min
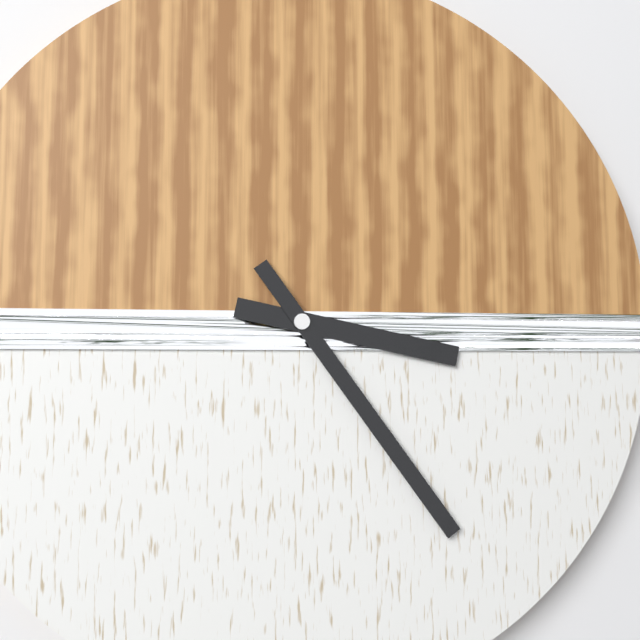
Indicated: 3 h 24 min
